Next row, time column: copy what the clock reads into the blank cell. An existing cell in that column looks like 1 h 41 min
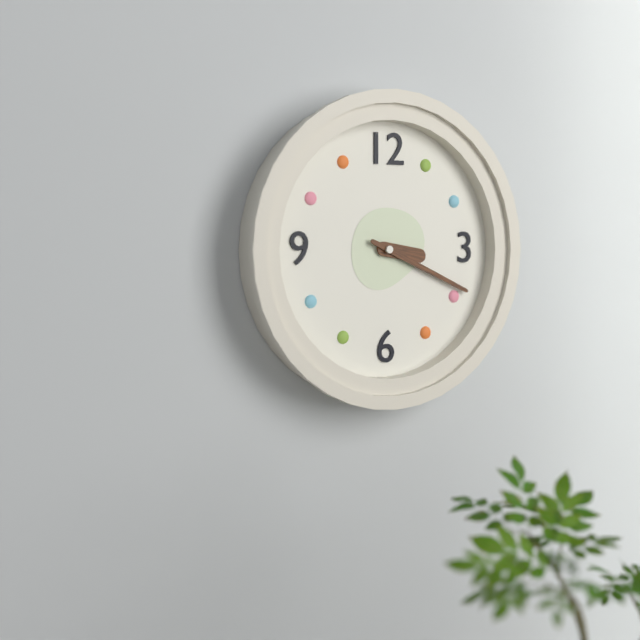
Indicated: 3 h 19 min
